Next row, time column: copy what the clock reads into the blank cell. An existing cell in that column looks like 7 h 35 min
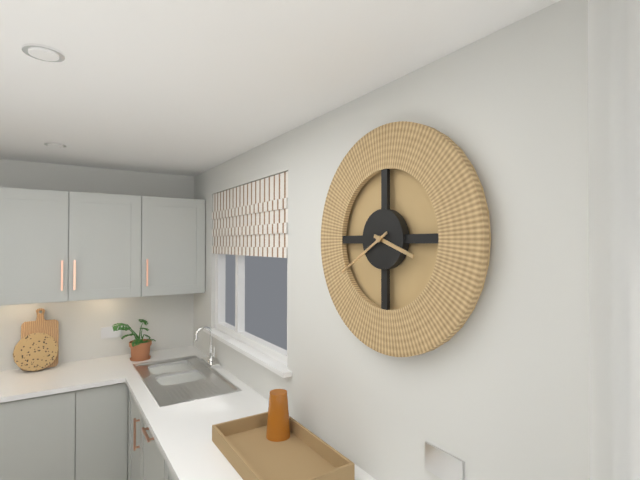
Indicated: 3 h 40 min
